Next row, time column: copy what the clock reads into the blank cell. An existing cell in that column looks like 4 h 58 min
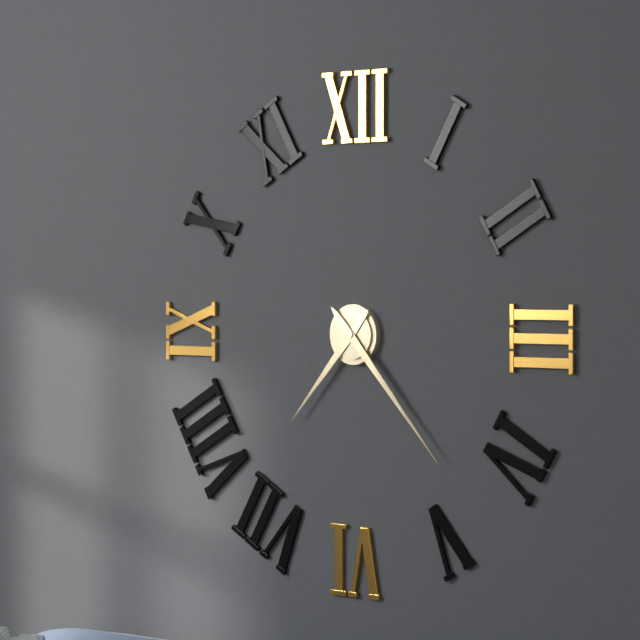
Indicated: 7 h 23 min
